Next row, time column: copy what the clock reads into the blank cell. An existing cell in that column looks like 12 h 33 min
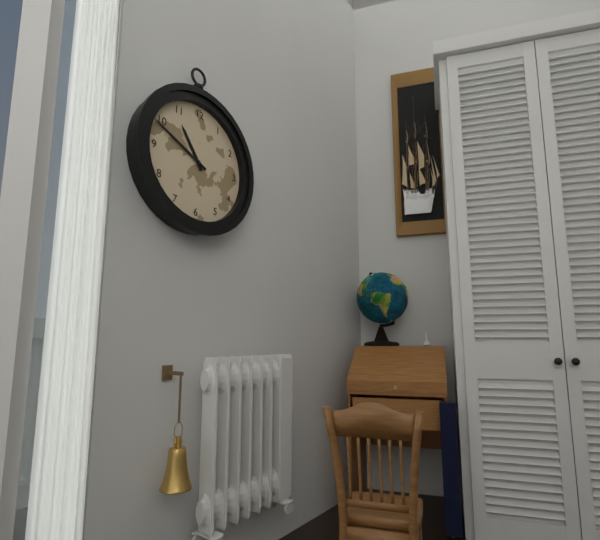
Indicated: 10 h 49 min
